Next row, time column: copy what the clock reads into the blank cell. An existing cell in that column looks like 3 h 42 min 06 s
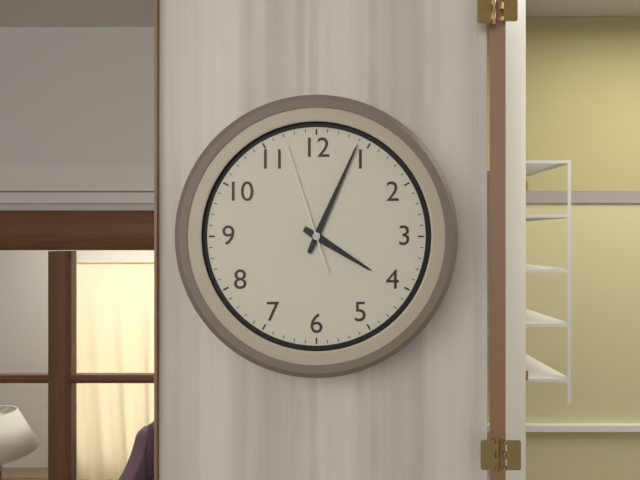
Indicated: 4 h 04 min 57 s
